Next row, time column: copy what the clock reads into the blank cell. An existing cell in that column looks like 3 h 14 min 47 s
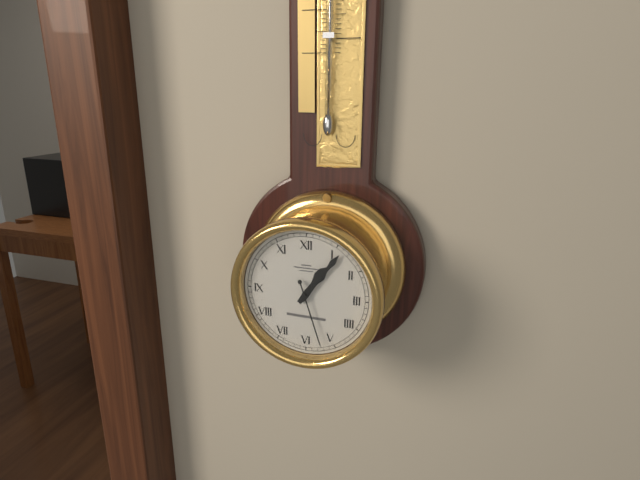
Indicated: 1 h 06 min 27 s
